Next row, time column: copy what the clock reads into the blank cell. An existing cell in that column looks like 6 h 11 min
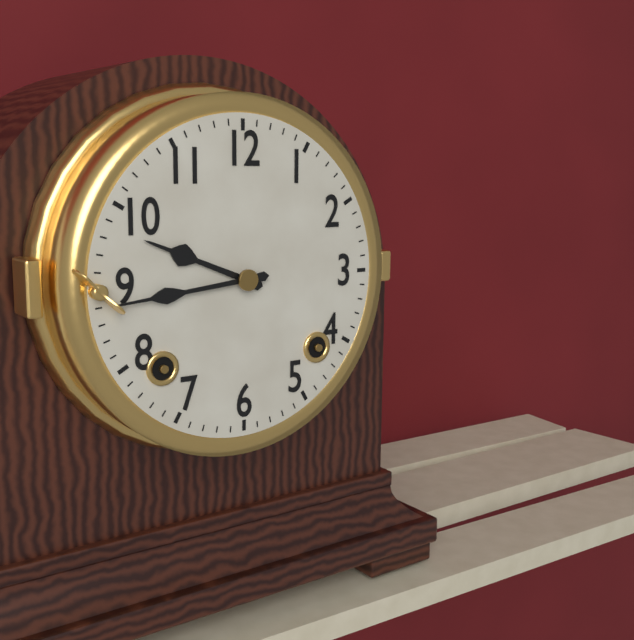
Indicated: 9 h 44 min
